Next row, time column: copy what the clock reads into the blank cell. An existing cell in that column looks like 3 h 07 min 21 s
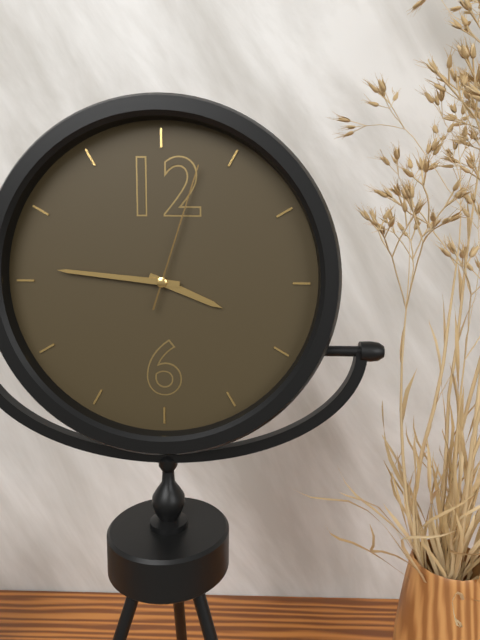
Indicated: 3 h 46 min 03 s
